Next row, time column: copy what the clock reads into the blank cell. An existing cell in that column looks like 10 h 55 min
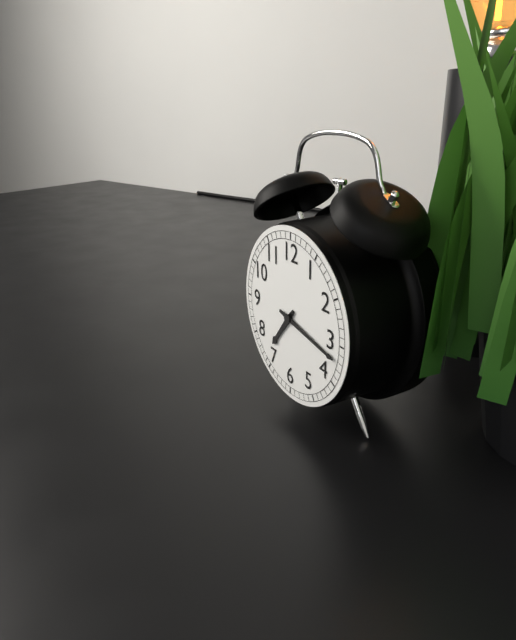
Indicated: 7 h 17 min
